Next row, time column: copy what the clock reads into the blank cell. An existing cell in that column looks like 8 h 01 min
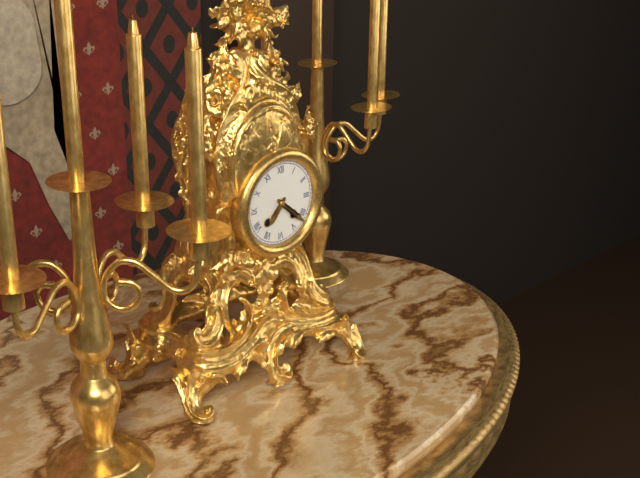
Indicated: 7 h 22 min
